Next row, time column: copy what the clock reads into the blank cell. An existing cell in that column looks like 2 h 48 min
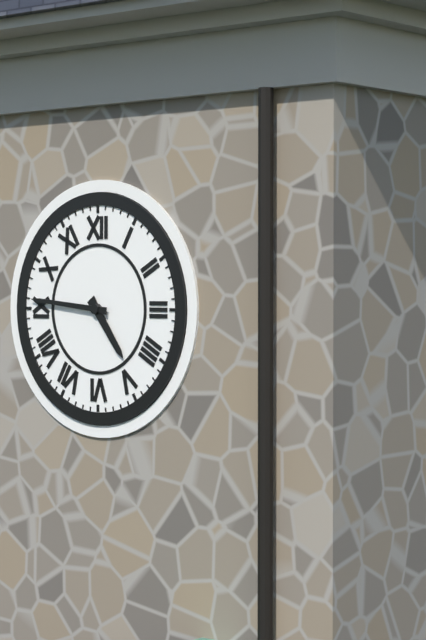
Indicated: 4 h 46 min
